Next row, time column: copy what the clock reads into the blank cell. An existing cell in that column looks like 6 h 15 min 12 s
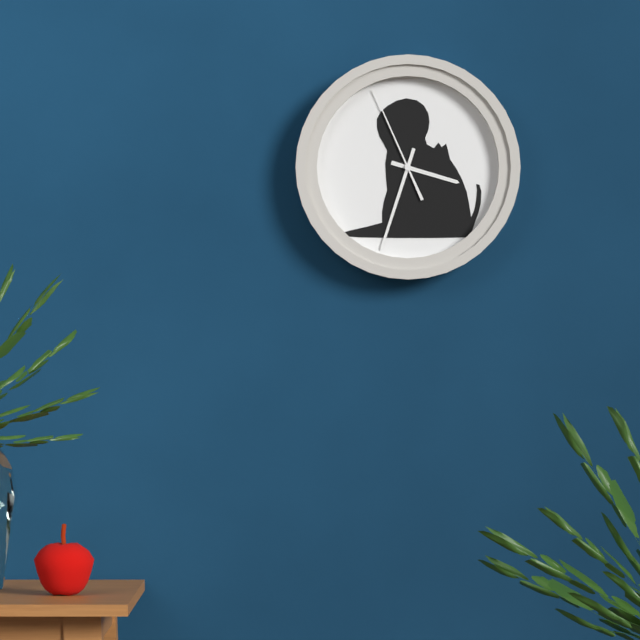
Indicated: 3 h 33 min 56 s
